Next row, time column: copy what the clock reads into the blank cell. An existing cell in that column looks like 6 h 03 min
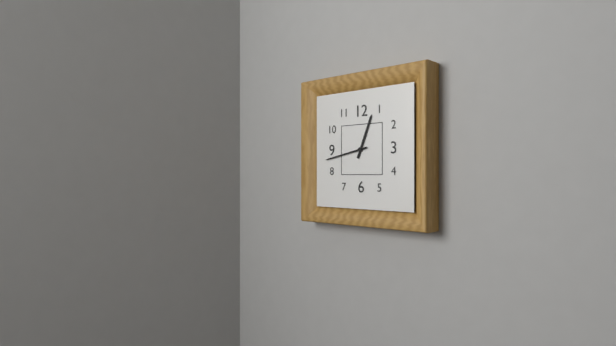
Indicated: 12 h 43 min
